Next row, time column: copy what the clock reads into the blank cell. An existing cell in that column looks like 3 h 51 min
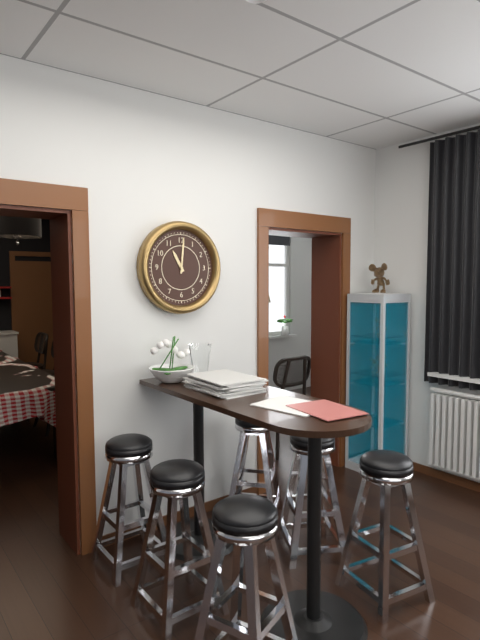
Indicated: 11 h 01 min
